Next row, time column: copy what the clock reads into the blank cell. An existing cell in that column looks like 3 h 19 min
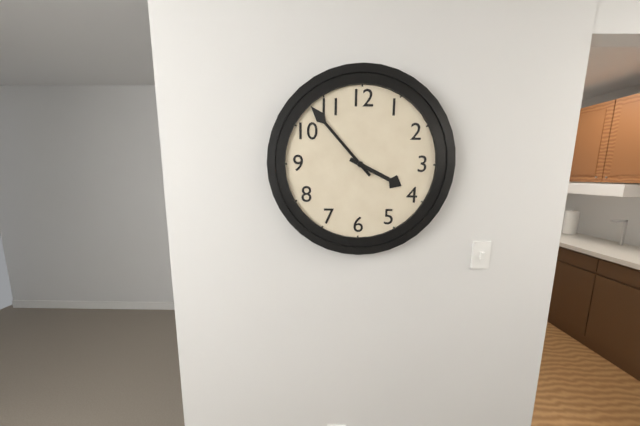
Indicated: 3 h 53 min
